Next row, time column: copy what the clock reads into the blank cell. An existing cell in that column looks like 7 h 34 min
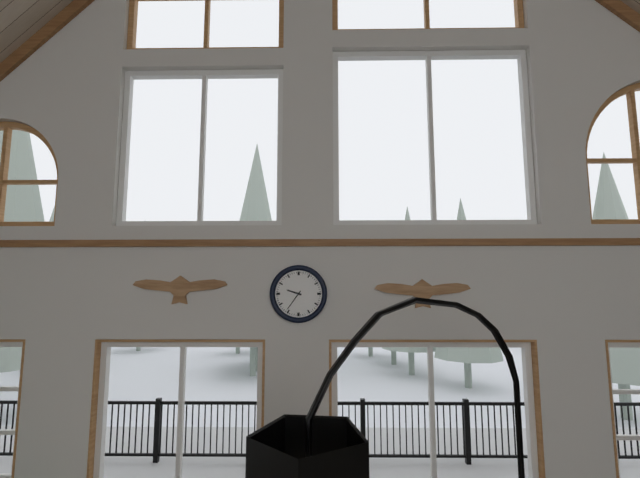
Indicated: 9 h 36 min
